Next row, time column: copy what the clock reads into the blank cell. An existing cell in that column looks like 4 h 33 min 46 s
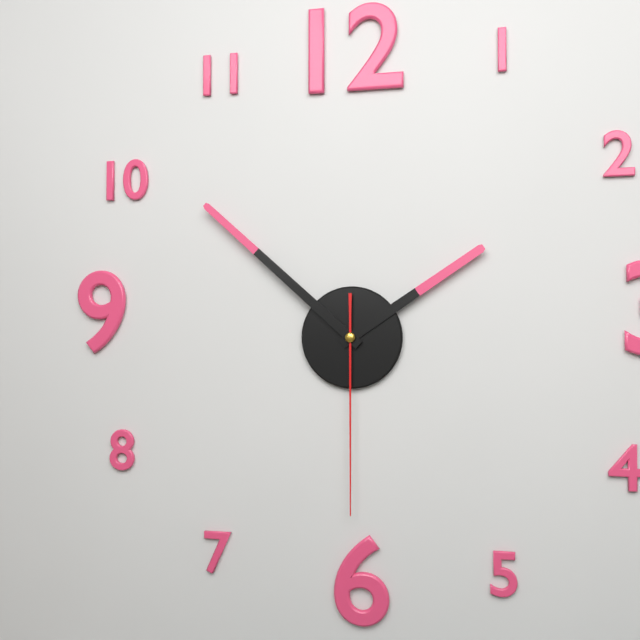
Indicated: 1 h 52 min 30 s
